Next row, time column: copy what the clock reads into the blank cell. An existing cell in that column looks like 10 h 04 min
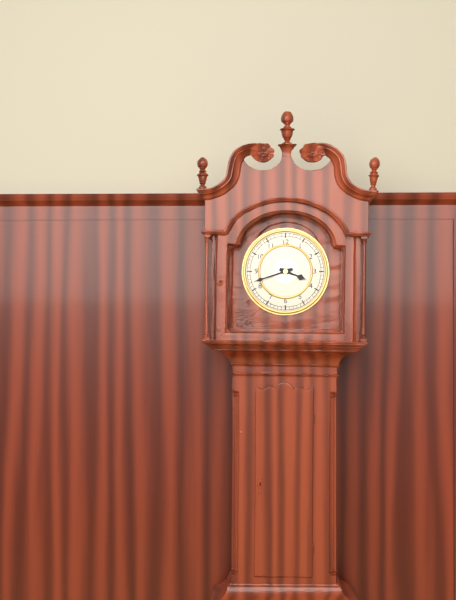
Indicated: 3 h 42 min
